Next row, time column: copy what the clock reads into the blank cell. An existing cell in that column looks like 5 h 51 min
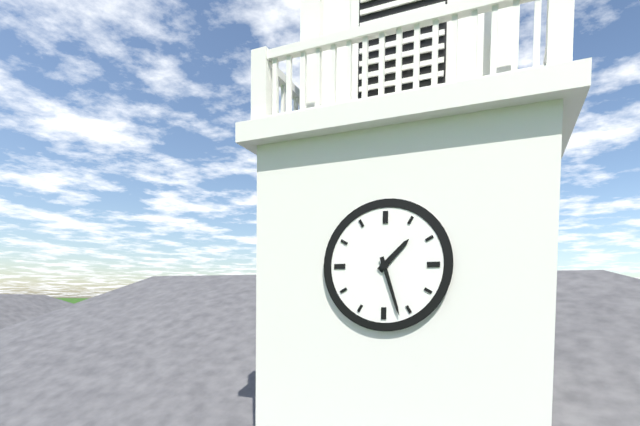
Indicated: 1 h 27 min
